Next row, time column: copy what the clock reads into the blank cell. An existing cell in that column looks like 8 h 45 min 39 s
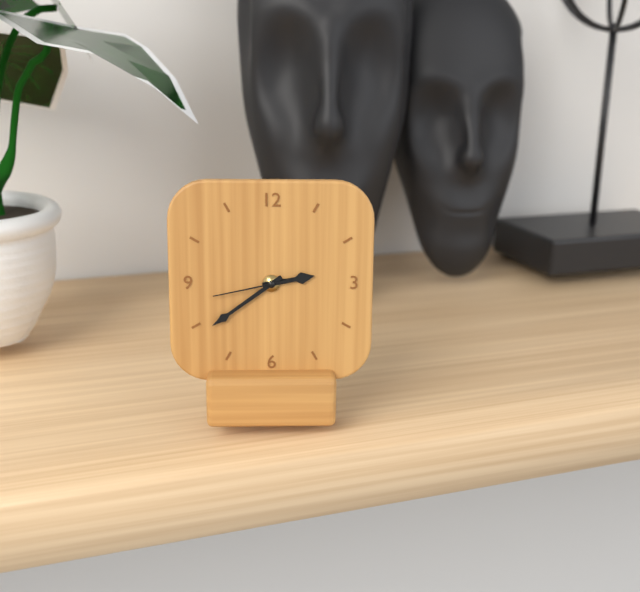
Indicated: 2 h 39 min 43 s
